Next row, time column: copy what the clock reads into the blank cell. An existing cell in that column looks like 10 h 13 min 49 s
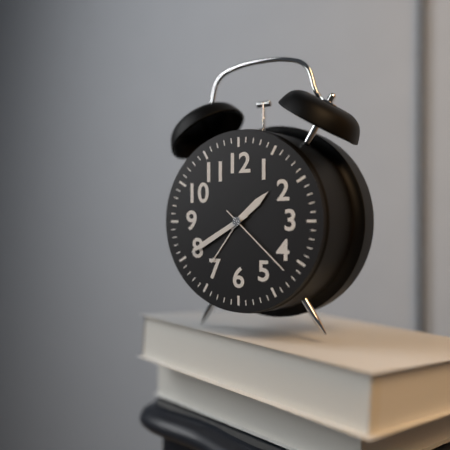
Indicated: 1 h 40 min 22 s
